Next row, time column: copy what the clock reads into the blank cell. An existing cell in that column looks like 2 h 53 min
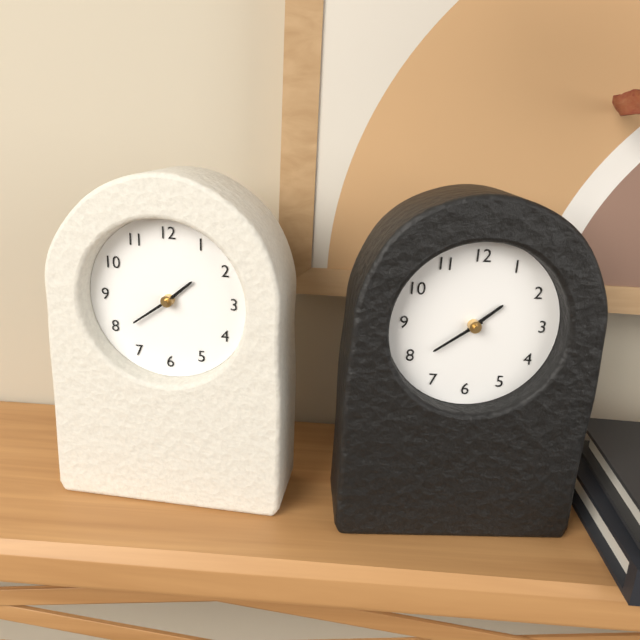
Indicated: 1 h 39 min
